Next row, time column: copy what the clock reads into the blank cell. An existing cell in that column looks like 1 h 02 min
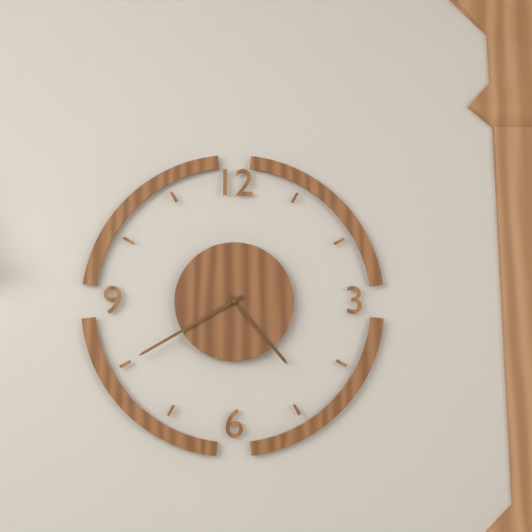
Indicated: 4 h 40 min
